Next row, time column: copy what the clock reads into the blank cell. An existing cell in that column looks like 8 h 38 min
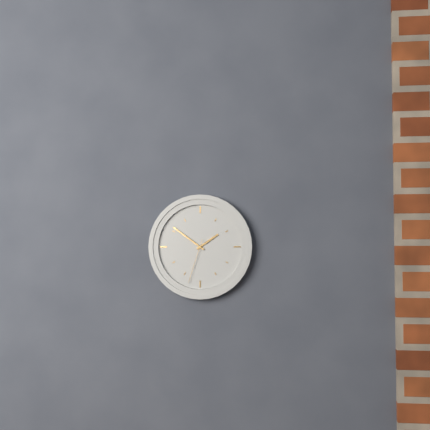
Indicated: 1 h 51 min
